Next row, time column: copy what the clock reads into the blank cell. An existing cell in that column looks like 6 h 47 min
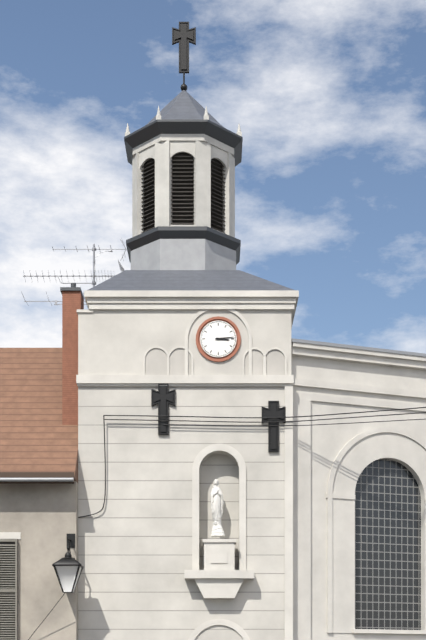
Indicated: 3 h 14 min
